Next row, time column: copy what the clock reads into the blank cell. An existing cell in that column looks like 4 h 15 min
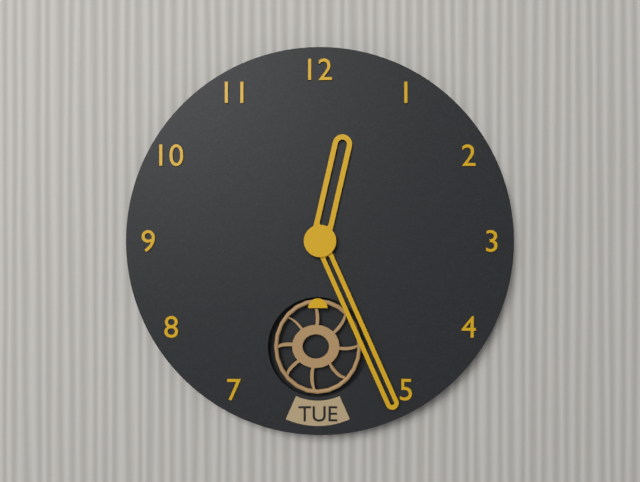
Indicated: 12 h 26 min
